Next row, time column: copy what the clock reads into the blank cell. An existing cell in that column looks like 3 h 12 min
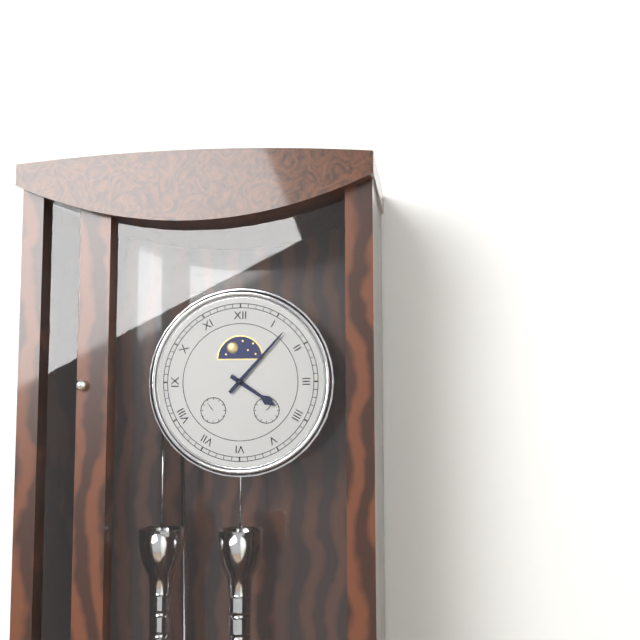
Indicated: 4 h 07 min
